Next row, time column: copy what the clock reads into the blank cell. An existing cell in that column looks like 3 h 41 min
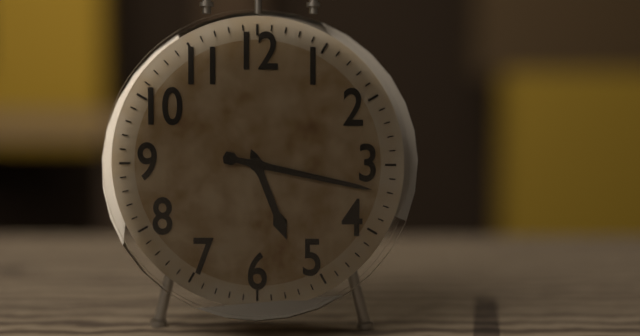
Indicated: 5 h 17 min
